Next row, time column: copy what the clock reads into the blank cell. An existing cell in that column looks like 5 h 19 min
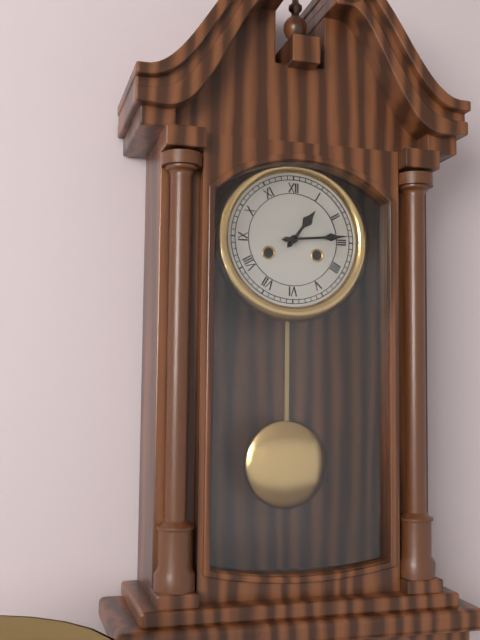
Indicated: 1 h 14 min
